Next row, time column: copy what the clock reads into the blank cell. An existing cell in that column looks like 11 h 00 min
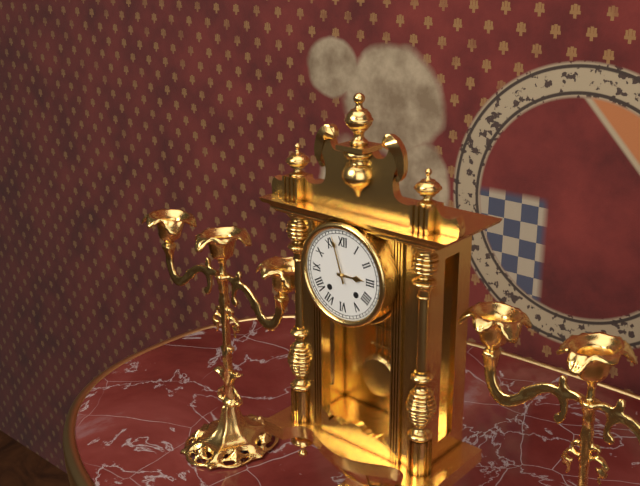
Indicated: 2 h 57 min
